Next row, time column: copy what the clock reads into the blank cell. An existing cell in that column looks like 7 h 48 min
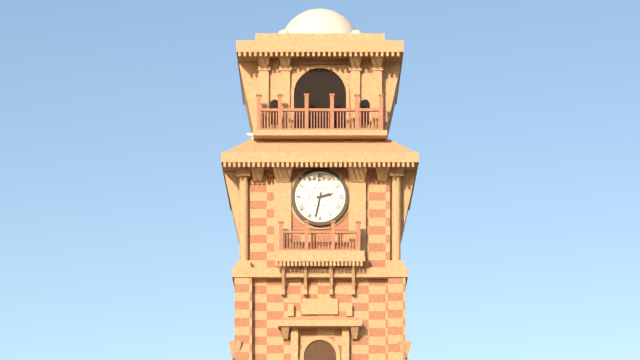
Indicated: 2 h 32 min
